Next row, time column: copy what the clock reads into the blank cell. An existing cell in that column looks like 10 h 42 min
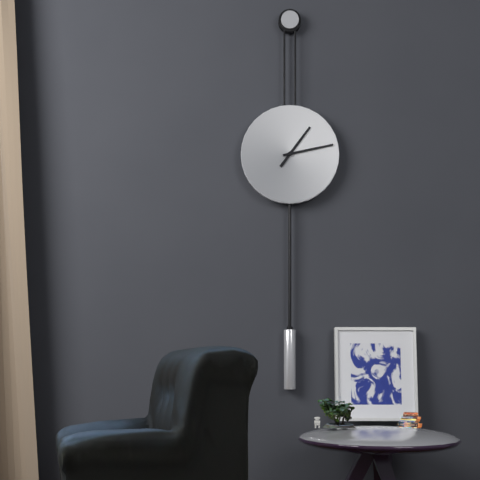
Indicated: 1 h 13 min
